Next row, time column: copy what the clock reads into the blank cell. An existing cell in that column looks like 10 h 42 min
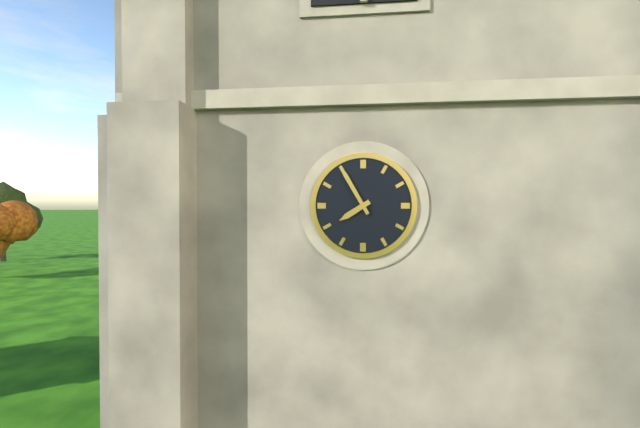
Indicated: 7 h 55 min
